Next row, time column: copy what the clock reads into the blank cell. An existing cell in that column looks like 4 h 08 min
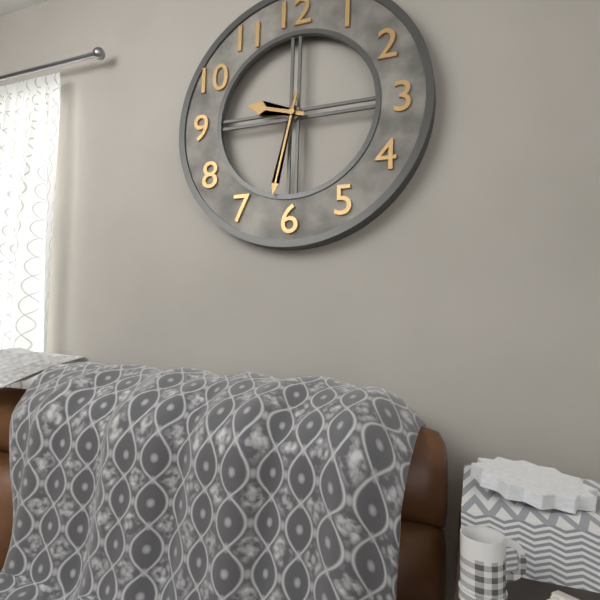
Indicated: 9 h 32 min
